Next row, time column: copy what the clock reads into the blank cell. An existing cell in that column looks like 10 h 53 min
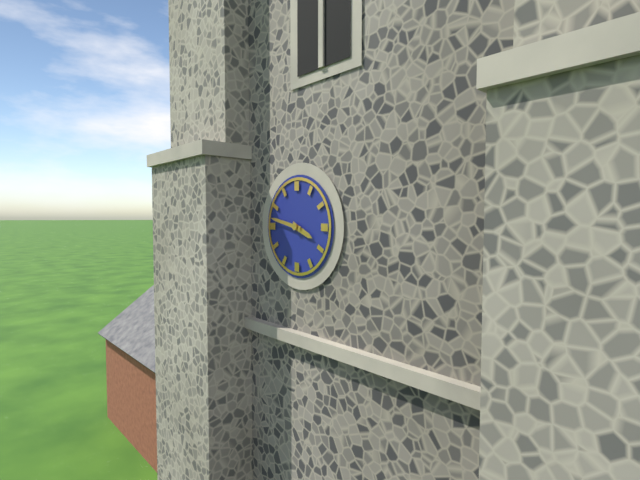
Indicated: 3 h 47 min
